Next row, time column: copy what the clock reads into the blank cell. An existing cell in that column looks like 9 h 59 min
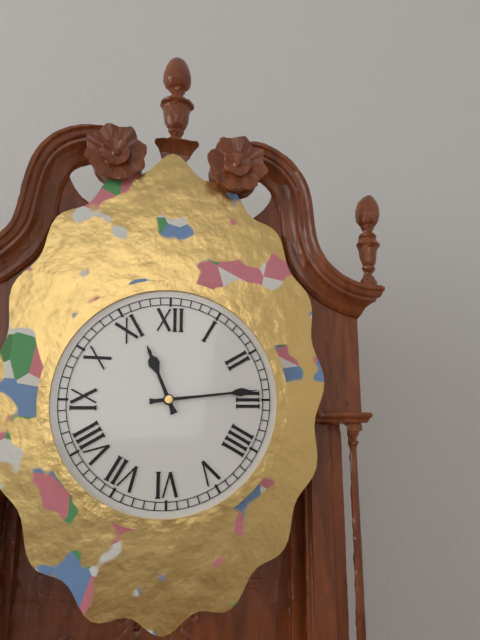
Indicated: 11 h 14 min
